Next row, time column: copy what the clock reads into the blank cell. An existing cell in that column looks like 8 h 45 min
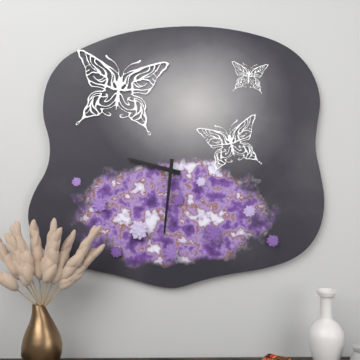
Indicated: 9 h 31 min
